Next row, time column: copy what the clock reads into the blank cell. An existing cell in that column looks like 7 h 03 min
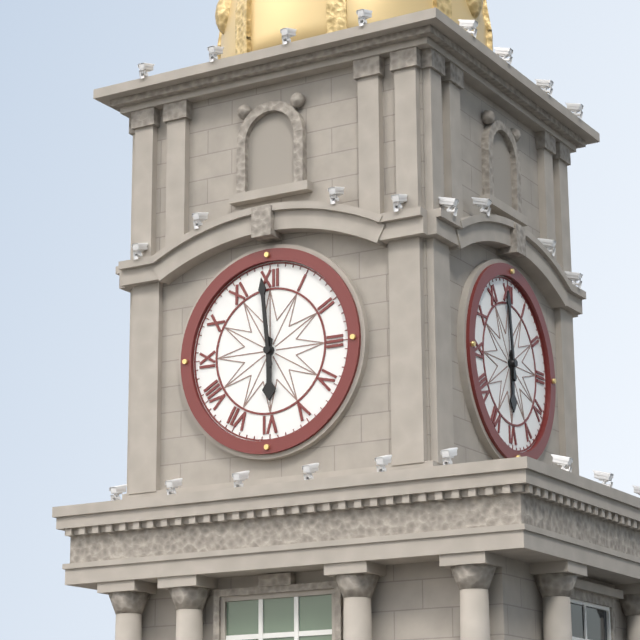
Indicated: 5 h 59 min
